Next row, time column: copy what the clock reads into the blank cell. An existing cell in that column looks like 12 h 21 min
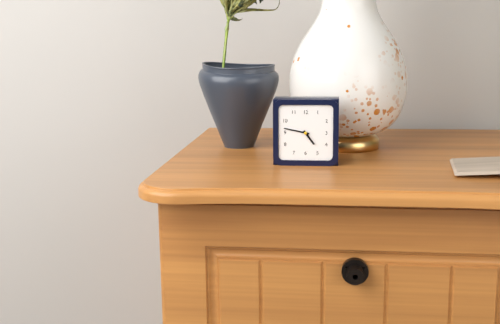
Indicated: 4 h 47 min
